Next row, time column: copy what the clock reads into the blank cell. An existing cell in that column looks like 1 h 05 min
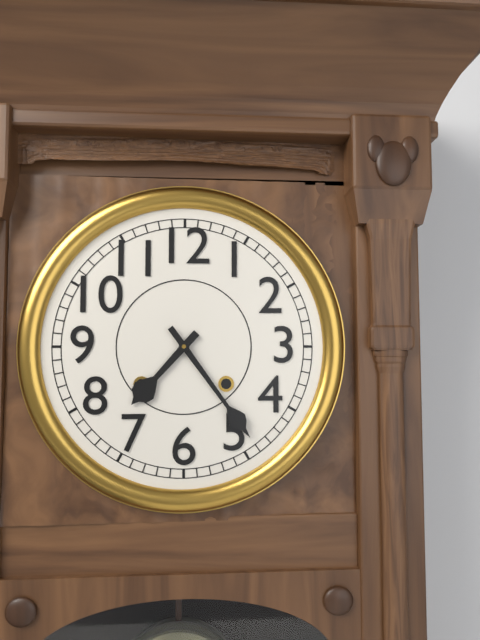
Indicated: 7 h 24 min
